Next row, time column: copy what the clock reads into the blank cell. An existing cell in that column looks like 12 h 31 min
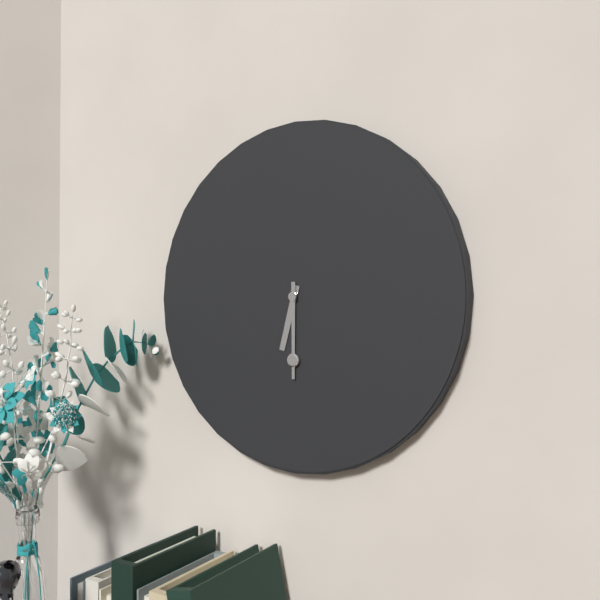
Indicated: 6 h 30 min
